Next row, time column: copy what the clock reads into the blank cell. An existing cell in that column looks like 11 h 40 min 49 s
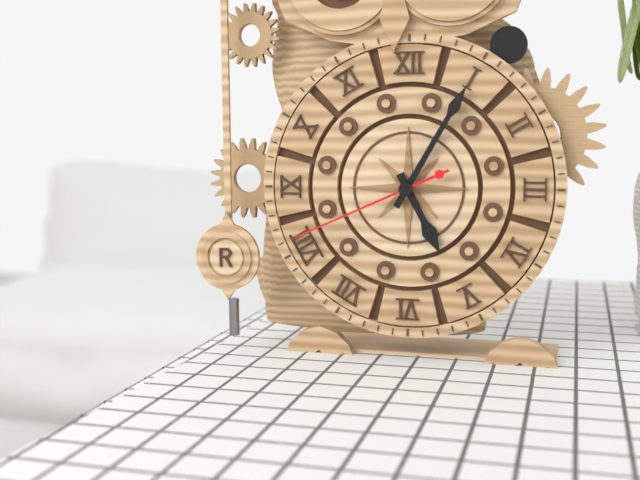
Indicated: 5 h 05 min 41 s
